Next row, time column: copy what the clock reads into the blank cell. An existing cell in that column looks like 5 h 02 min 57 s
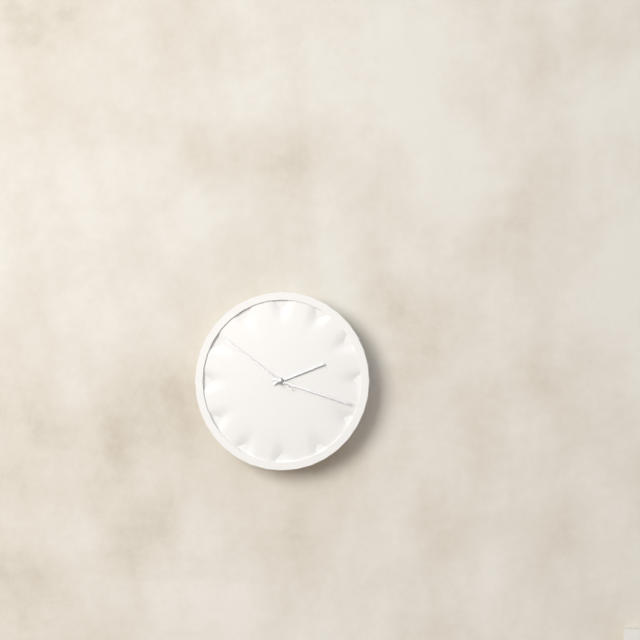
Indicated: 2 h 18 min 51 s
